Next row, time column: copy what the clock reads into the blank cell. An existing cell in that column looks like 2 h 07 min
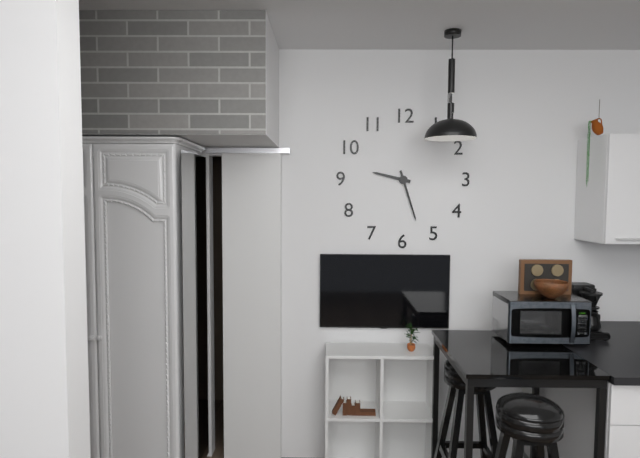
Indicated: 9 h 27 min
